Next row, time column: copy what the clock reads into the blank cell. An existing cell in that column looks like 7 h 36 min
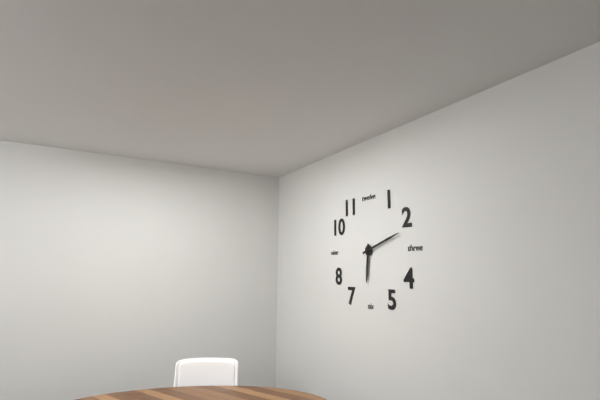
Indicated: 6 h 12 min
